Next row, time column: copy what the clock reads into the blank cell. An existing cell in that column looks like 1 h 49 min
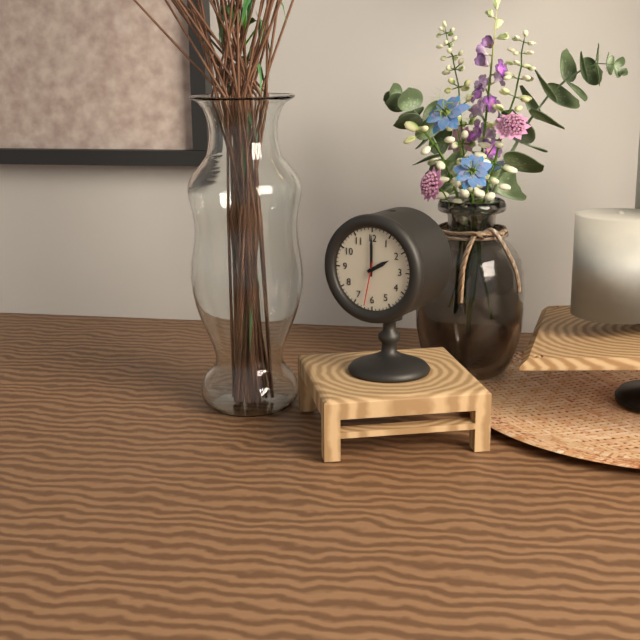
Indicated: 2 h 00 min
